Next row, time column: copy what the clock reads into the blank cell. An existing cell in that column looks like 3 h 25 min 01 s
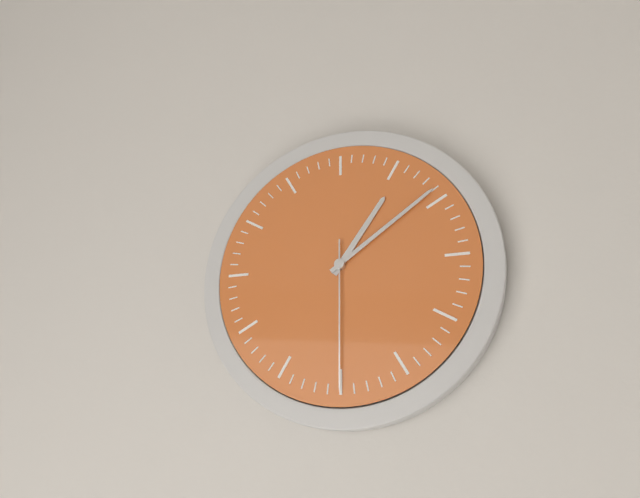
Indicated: 1 h 09 min 30 s
